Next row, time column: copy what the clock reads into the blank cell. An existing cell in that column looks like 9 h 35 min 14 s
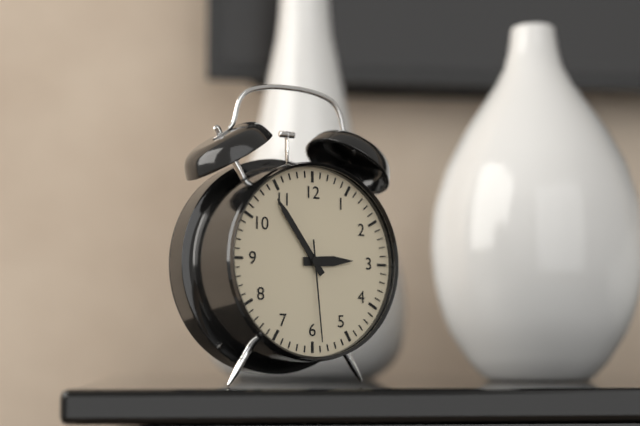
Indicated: 2 h 54 min 29 s
